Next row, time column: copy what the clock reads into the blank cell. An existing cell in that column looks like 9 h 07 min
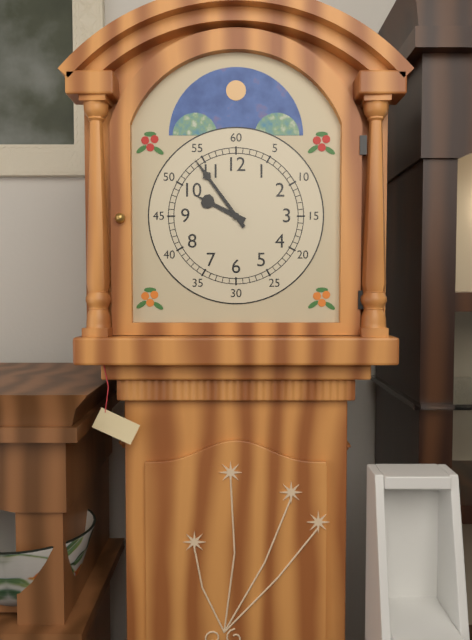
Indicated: 9 h 54 min
